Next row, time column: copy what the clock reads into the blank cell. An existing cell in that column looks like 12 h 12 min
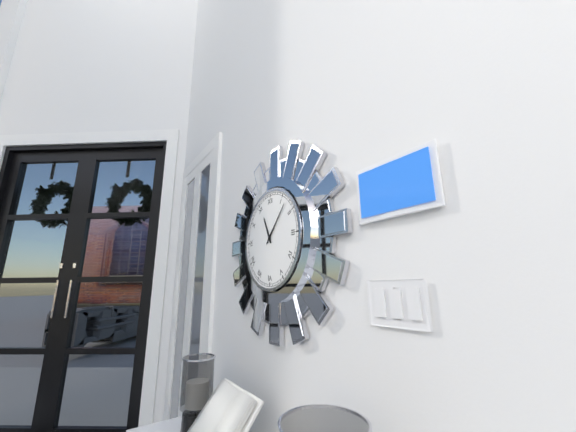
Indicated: 11 h 07 min
